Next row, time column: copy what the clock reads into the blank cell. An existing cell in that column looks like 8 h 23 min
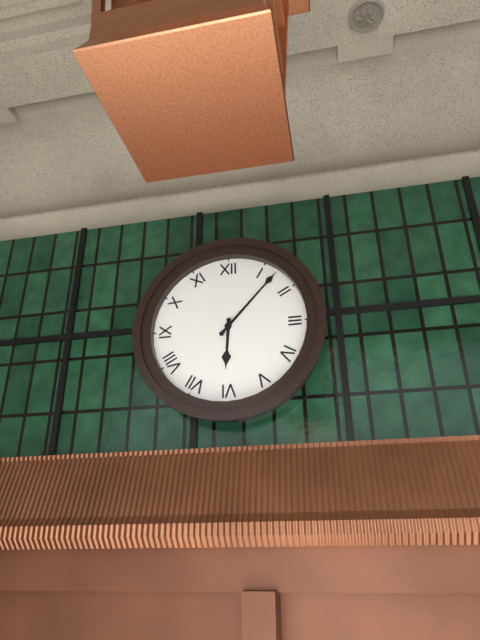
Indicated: 6 h 07 min
